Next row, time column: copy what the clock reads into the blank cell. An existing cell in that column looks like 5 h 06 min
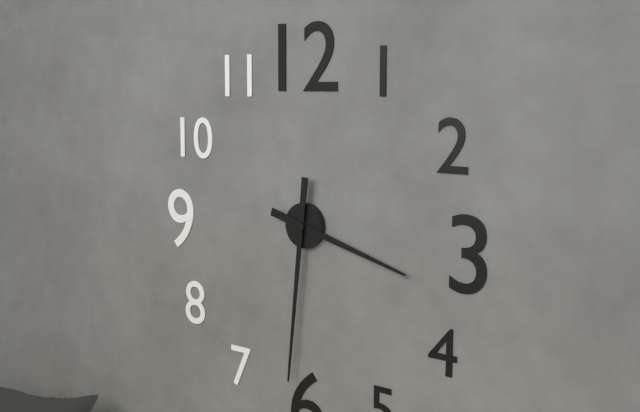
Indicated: 3 h 31 min
